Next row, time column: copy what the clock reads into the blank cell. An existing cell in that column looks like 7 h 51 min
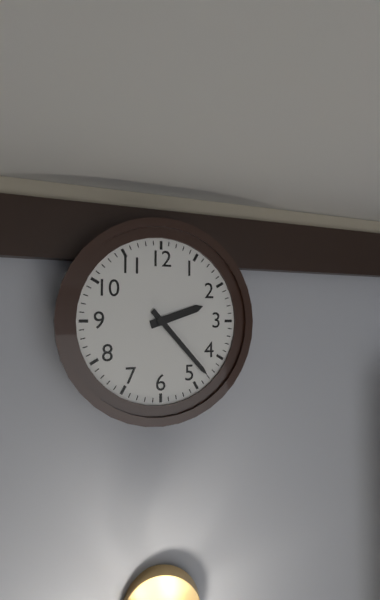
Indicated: 2 h 23 min
